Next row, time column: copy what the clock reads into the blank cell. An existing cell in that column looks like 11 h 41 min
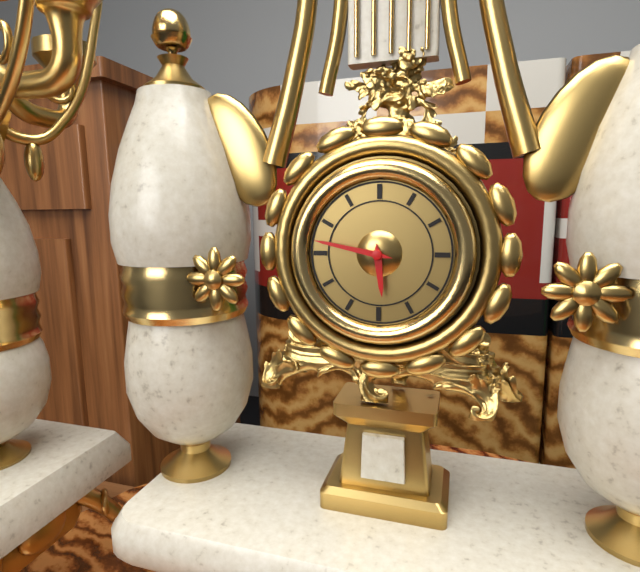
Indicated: 5 h 47 min
